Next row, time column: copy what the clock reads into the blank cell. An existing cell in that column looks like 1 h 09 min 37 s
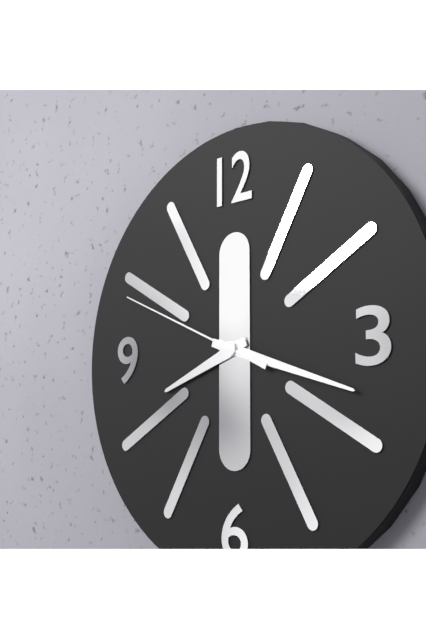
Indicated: 8 h 18 min 49 s
